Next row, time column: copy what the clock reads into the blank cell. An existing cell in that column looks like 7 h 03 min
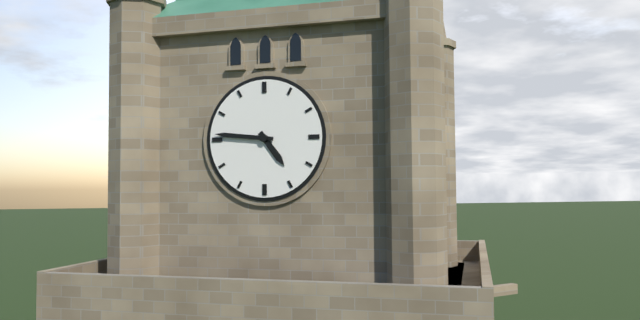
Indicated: 4 h 46 min
